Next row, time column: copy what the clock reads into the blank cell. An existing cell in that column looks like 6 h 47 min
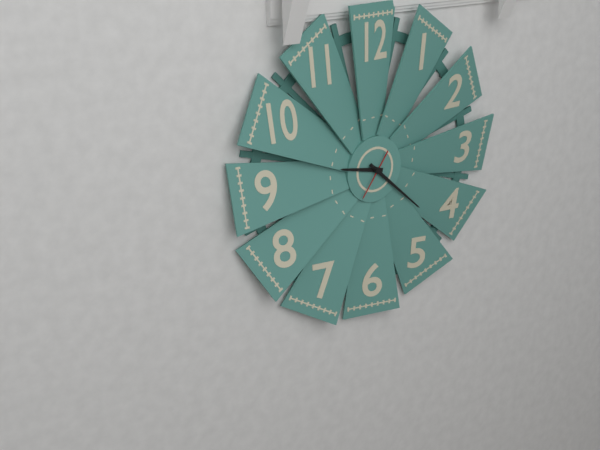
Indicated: 9 h 22 min
